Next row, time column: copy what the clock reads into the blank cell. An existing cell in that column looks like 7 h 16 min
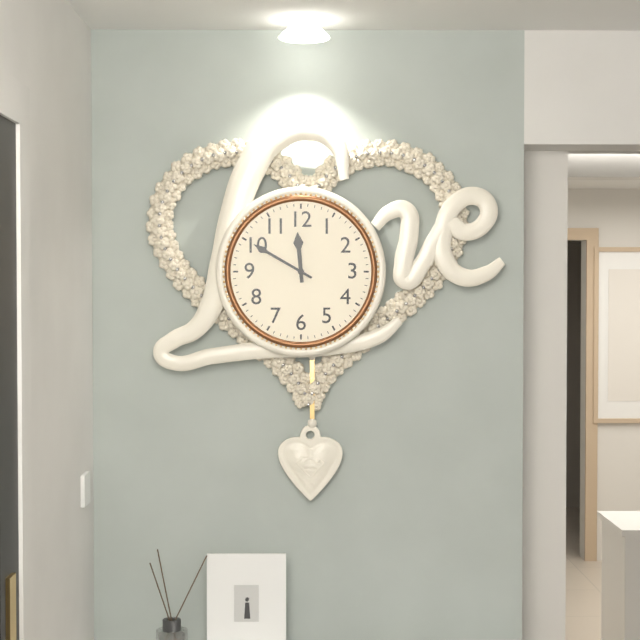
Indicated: 11 h 50 min
